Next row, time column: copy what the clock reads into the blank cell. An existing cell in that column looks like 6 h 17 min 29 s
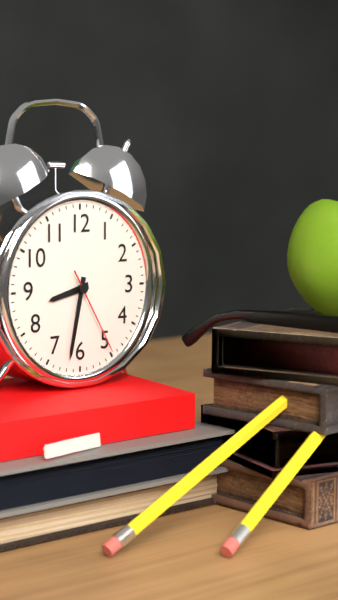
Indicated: 8 h 32 min 25 s
